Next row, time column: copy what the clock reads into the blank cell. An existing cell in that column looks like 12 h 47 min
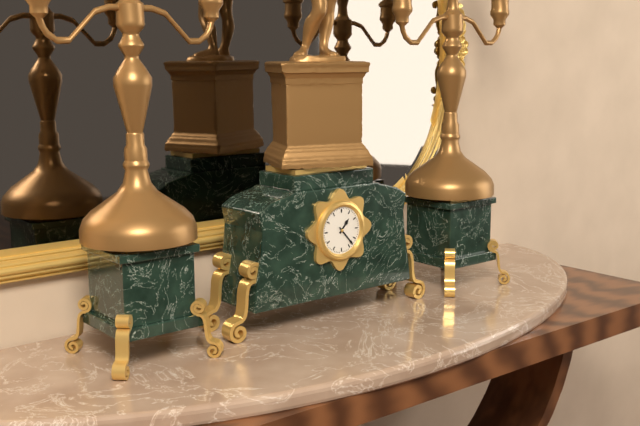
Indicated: 1 h 23 min
